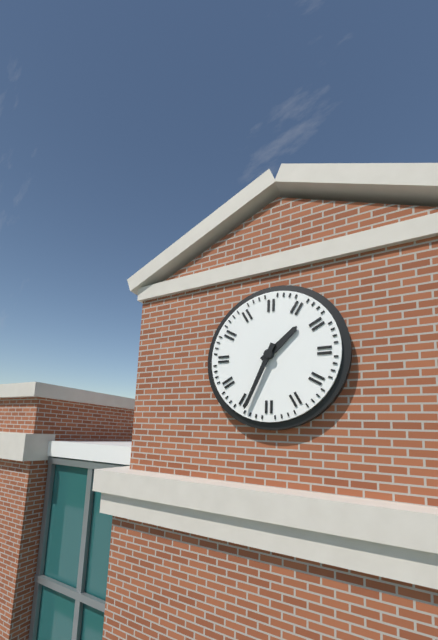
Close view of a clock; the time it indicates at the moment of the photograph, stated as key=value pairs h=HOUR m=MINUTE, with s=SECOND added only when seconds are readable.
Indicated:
h=1 m=34
